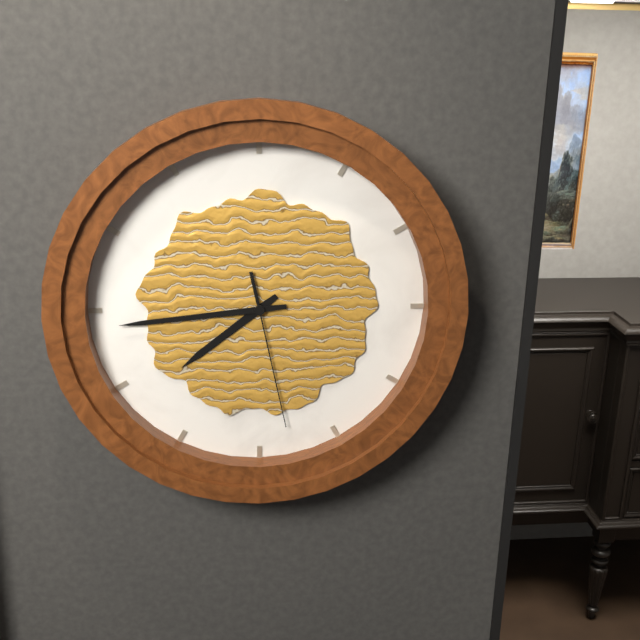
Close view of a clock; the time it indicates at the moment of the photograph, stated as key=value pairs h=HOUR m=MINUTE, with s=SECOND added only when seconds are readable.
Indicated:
h=7 m=44 s=28
